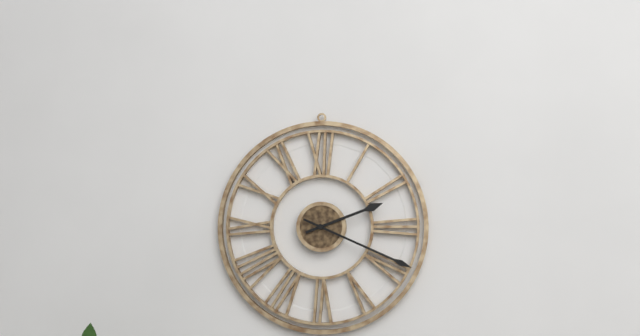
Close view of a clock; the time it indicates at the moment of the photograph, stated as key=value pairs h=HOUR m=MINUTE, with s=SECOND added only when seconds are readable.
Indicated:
h=2 m=19
